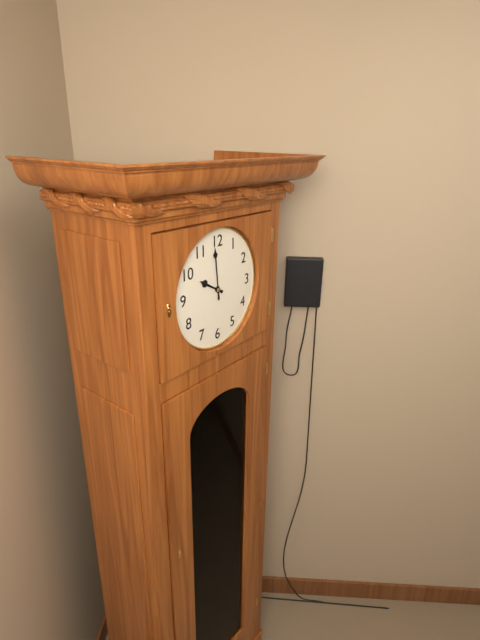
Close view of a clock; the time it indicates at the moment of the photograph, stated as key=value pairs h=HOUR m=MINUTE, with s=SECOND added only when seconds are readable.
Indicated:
h=9 m=59
